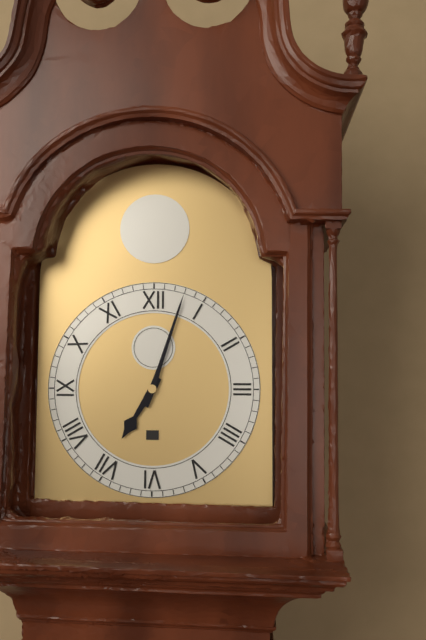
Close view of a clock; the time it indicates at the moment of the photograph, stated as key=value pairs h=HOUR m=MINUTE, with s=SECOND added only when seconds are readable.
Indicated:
h=7 m=3
